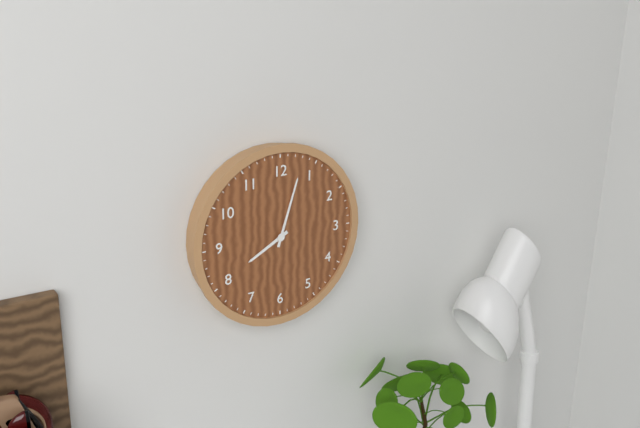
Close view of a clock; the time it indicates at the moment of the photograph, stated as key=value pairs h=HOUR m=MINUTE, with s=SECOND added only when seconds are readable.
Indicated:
h=8 m=3
